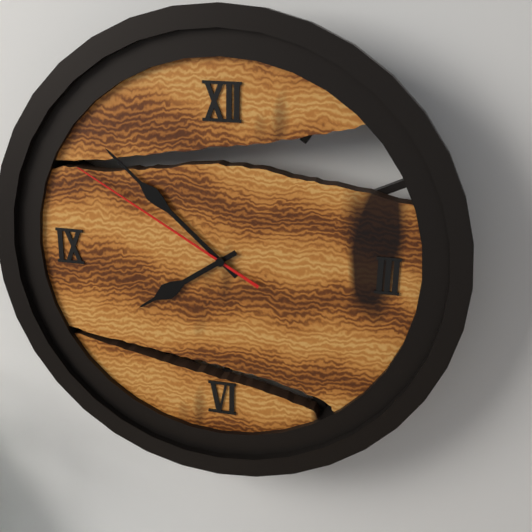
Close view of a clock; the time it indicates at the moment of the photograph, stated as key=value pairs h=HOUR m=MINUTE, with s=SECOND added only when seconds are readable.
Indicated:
h=7 m=52 s=50
